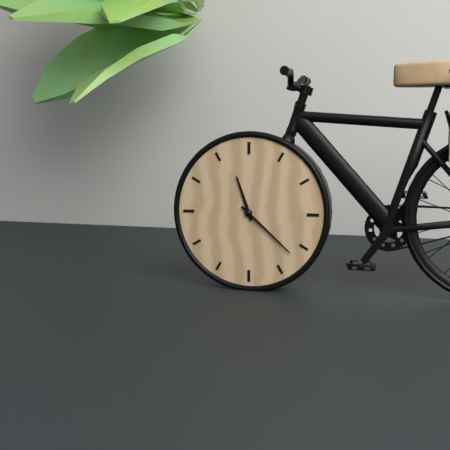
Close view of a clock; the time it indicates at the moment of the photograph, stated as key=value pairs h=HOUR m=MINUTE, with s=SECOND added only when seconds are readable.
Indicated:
h=11 m=22
